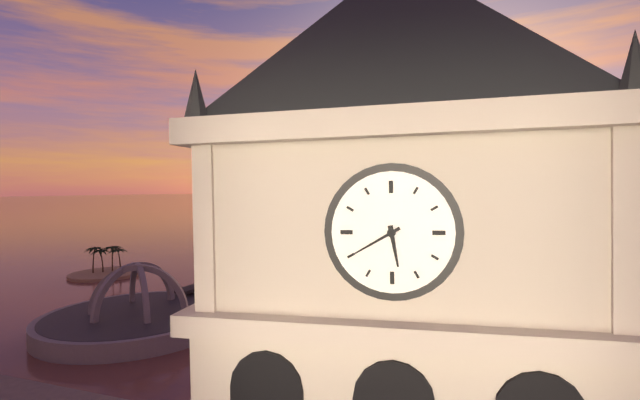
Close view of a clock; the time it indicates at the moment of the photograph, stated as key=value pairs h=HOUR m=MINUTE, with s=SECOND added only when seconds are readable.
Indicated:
h=5 m=40
